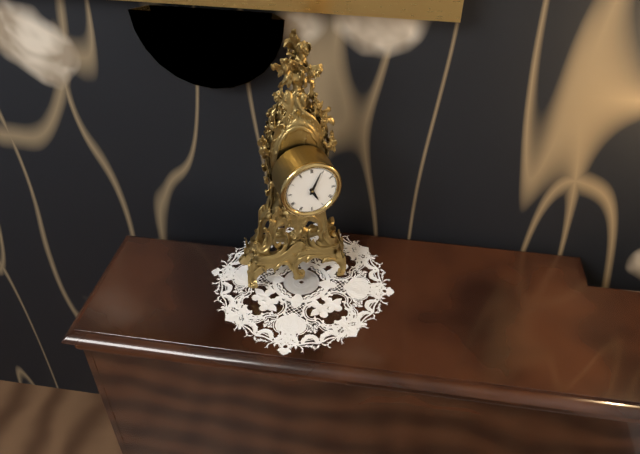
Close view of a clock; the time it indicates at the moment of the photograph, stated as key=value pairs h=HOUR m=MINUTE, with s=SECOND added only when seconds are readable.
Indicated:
h=5 m=4
